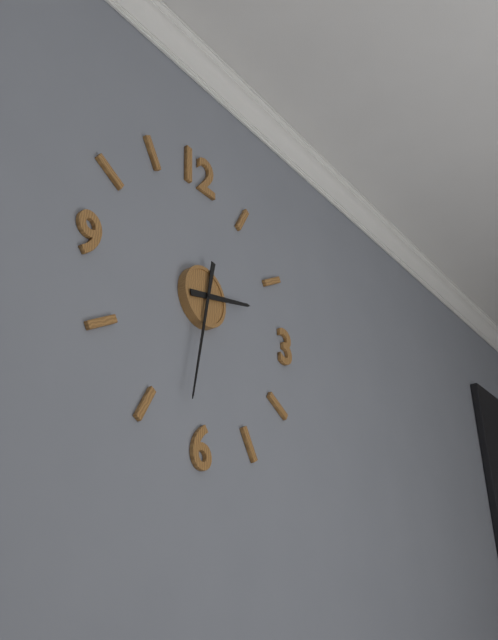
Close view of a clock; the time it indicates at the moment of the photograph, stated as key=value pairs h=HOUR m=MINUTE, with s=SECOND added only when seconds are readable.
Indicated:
h=2 m=32
